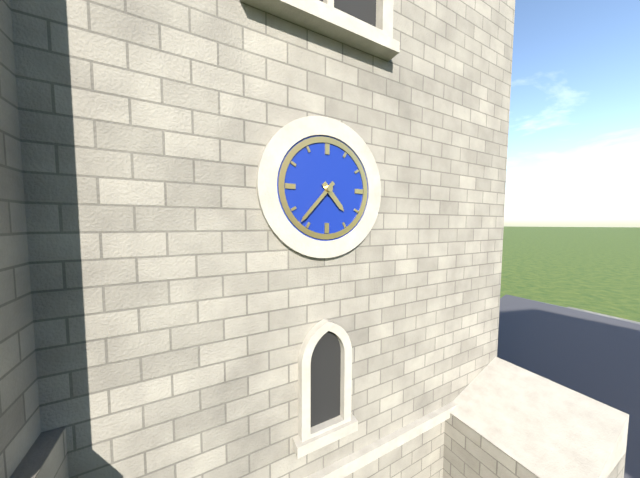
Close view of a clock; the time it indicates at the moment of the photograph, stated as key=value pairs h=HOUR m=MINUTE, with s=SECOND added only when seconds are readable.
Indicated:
h=4 m=37
